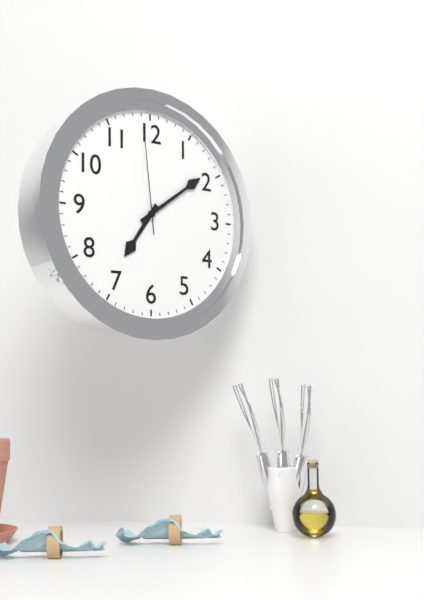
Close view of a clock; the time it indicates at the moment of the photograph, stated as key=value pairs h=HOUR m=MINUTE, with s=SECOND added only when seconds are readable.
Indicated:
h=7 m=9 s=59
